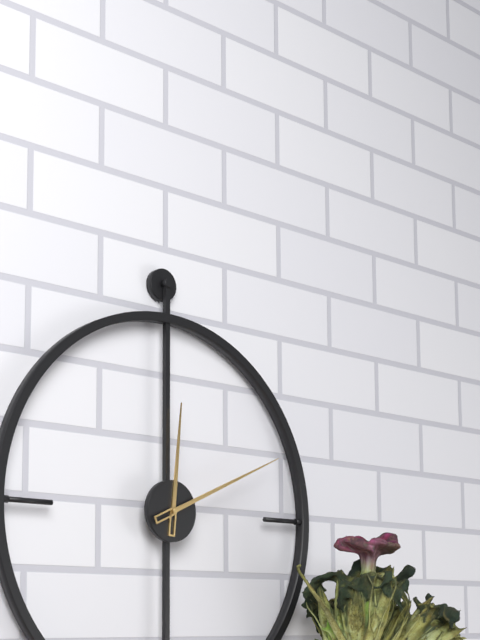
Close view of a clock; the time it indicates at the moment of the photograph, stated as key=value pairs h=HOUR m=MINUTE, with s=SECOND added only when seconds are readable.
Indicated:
h=12 m=11
